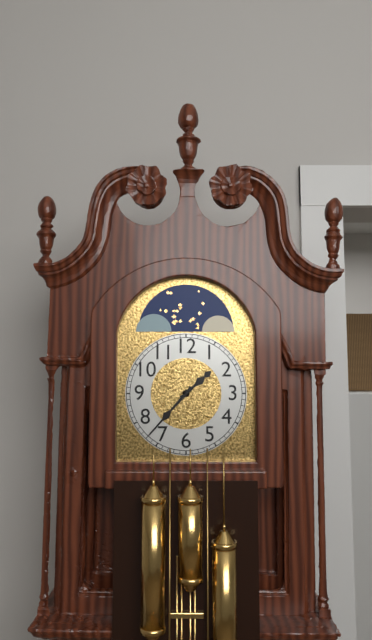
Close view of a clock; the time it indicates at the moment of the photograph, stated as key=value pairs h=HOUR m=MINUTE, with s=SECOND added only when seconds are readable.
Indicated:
h=1 m=37
